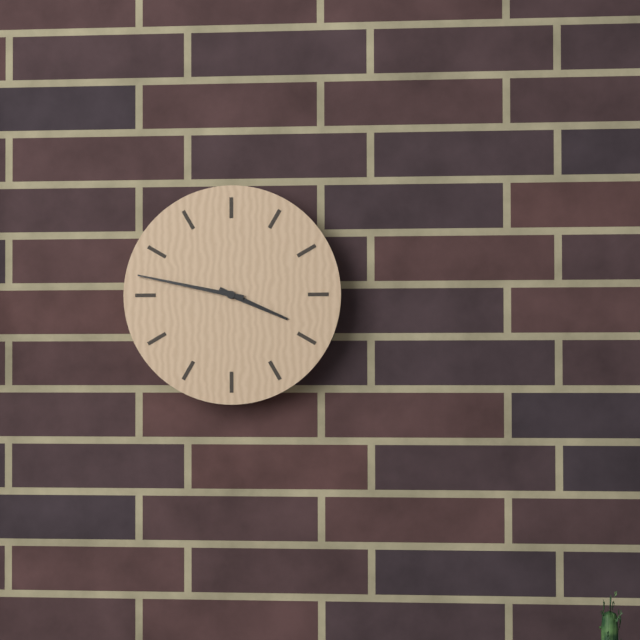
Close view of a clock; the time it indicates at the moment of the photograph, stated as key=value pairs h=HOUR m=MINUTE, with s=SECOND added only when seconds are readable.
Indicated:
h=3 m=47
